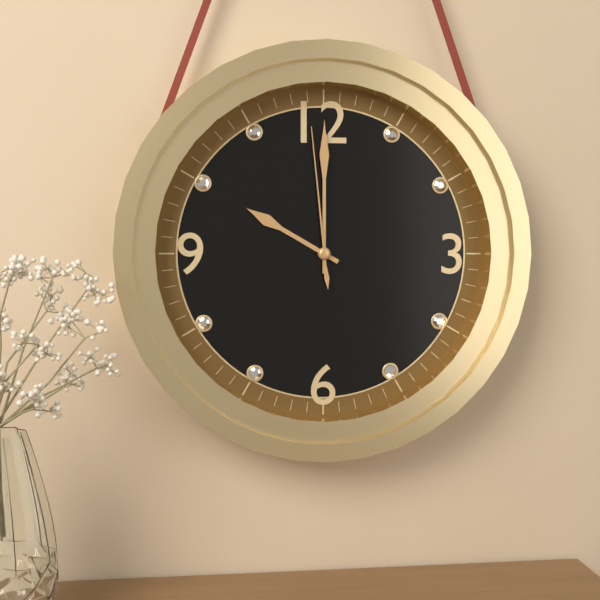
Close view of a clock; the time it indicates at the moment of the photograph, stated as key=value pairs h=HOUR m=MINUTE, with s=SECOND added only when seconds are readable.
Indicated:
h=10 m=0 s=59
